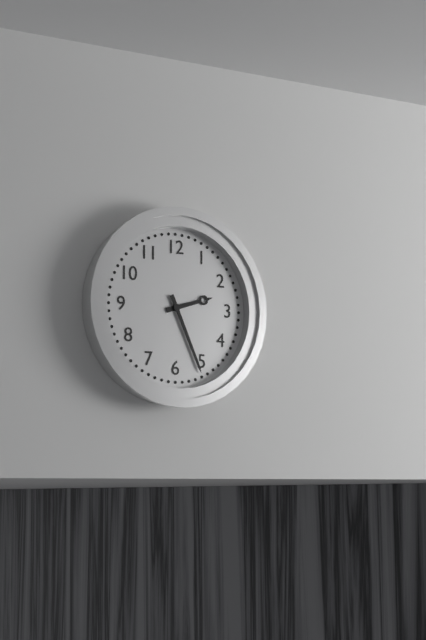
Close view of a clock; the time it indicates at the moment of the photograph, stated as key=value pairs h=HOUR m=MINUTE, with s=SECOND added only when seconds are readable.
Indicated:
h=2 m=26
